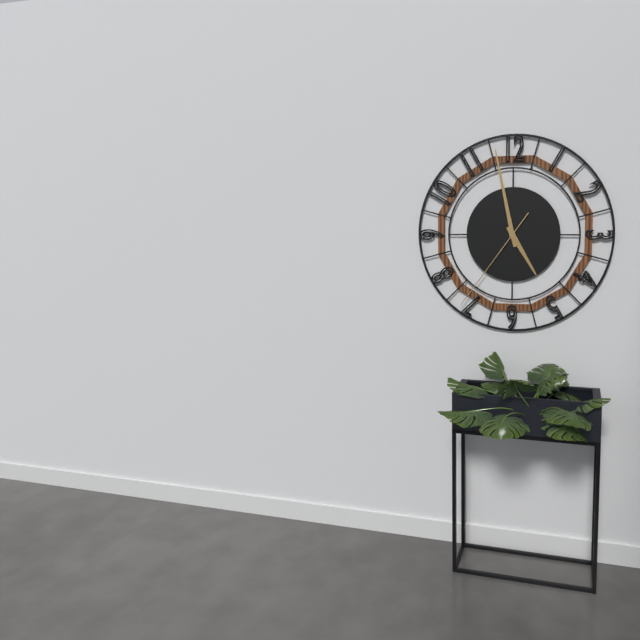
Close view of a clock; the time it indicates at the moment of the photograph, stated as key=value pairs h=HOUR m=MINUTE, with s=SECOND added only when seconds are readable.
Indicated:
h=4 m=58 s=36
